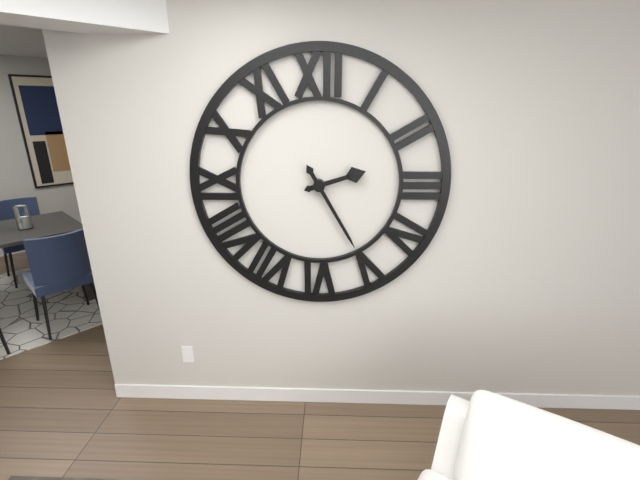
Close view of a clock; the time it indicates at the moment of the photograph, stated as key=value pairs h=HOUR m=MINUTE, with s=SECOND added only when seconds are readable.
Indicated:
h=2 m=25
